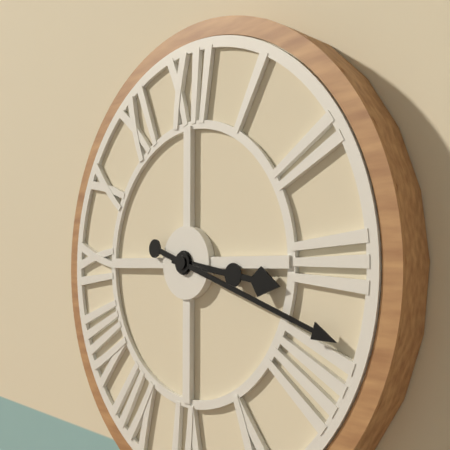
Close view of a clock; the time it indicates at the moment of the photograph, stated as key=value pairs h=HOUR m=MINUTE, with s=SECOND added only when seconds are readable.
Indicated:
h=3 m=18
